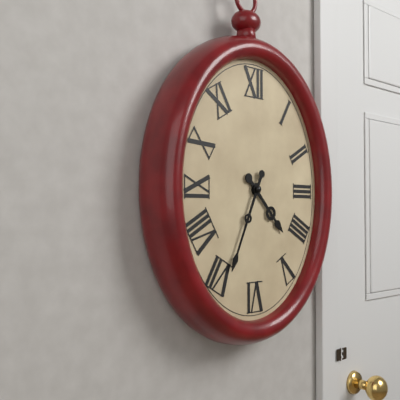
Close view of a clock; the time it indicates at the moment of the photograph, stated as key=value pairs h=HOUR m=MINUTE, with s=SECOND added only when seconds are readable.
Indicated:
h=4 m=34
